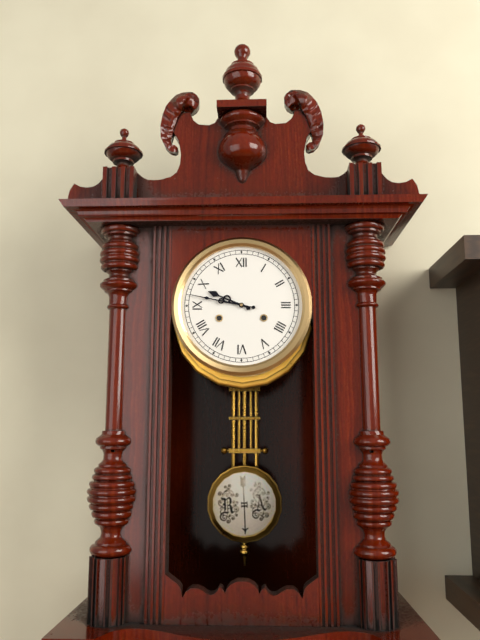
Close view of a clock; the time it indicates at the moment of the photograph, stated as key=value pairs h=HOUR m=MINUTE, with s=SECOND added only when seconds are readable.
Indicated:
h=9 m=47
